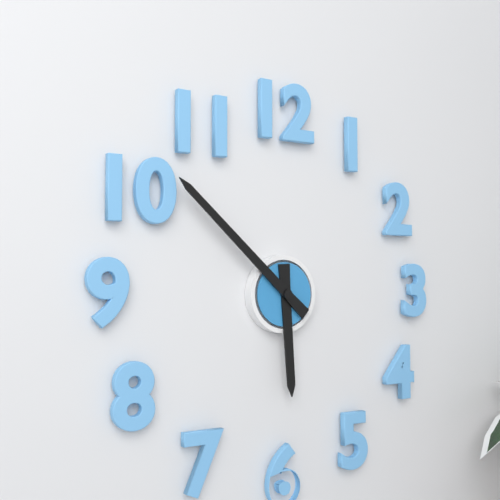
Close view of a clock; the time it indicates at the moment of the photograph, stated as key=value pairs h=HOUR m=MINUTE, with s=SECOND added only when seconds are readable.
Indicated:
h=5 m=52
